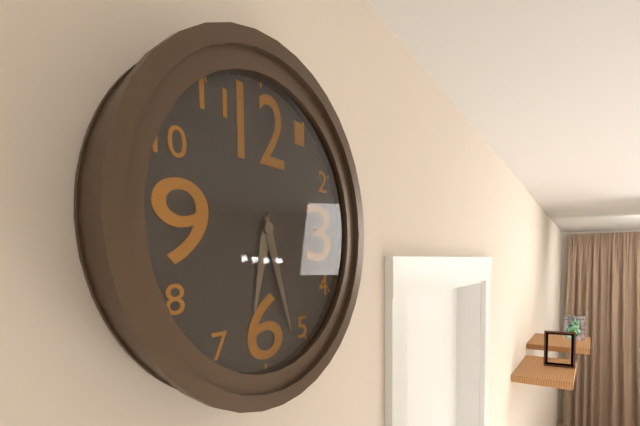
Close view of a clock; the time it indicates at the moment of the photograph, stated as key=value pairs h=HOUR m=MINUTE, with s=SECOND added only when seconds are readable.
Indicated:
h=6 m=27
